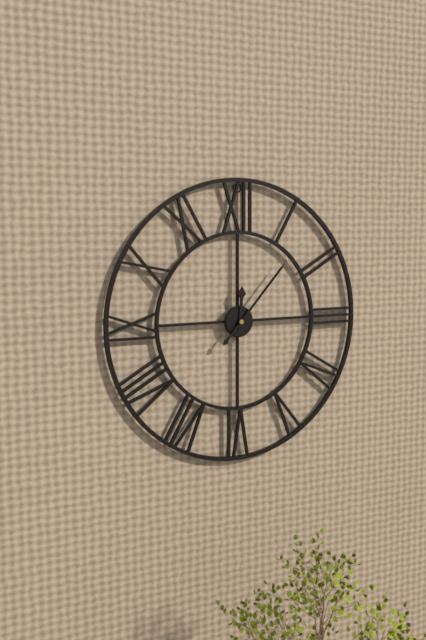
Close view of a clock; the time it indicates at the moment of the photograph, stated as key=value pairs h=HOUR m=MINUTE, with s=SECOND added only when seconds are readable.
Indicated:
h=12 m=7
